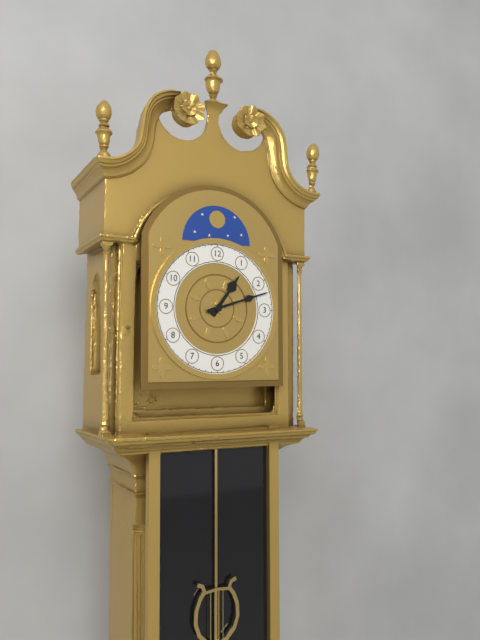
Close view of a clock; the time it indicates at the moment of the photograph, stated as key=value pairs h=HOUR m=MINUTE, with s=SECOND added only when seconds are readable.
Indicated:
h=1 m=12
